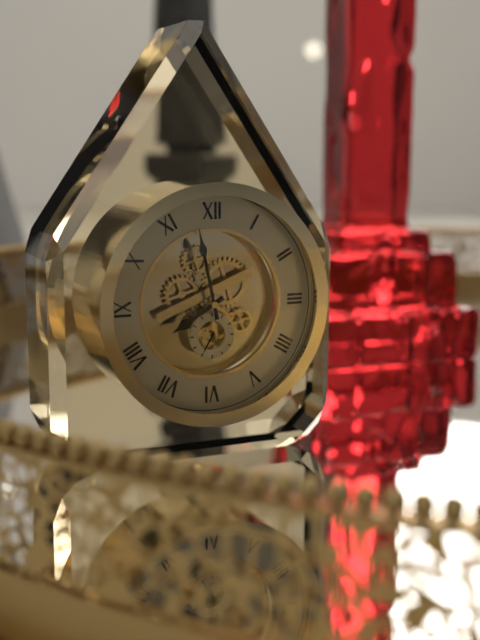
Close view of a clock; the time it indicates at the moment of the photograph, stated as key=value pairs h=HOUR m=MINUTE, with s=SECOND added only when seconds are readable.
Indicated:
h=7 m=58
